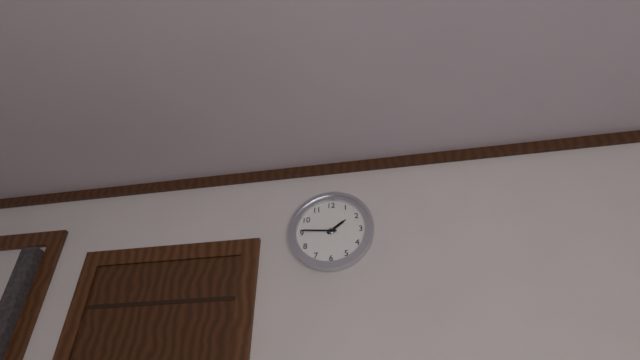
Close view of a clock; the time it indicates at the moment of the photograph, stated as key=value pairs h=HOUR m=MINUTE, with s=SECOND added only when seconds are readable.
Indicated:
h=1 m=46
